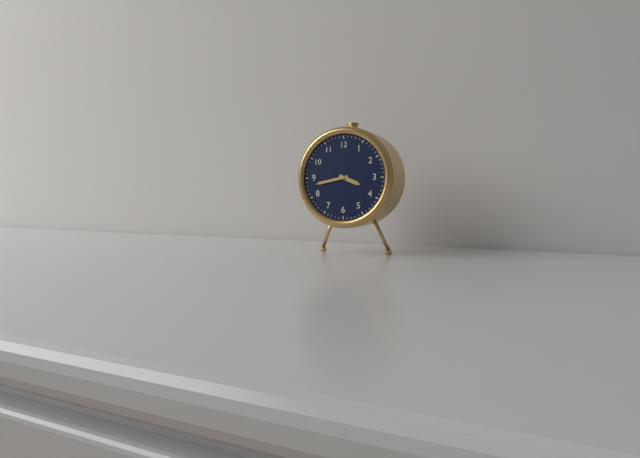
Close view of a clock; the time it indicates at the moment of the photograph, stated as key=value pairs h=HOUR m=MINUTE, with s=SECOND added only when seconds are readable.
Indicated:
h=3 m=43
